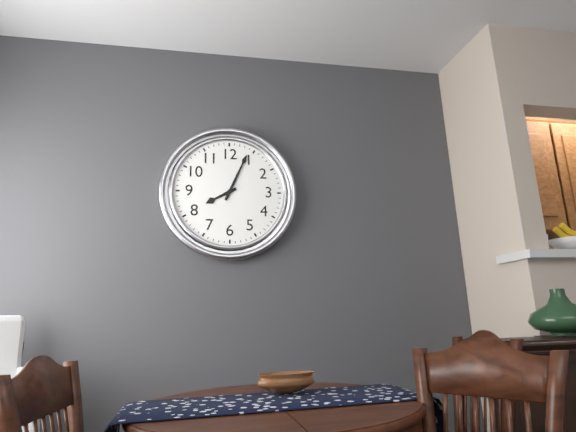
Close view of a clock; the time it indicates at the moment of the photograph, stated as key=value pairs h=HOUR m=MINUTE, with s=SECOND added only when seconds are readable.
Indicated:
h=8 m=4
